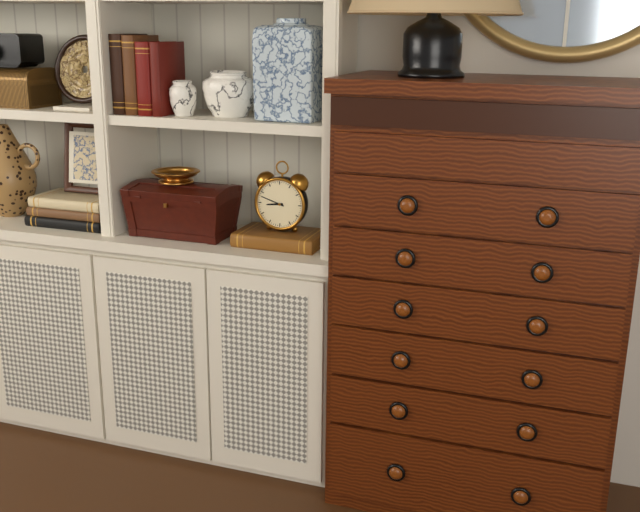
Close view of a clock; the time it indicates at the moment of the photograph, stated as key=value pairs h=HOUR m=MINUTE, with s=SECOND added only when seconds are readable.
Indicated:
h=8 m=48
